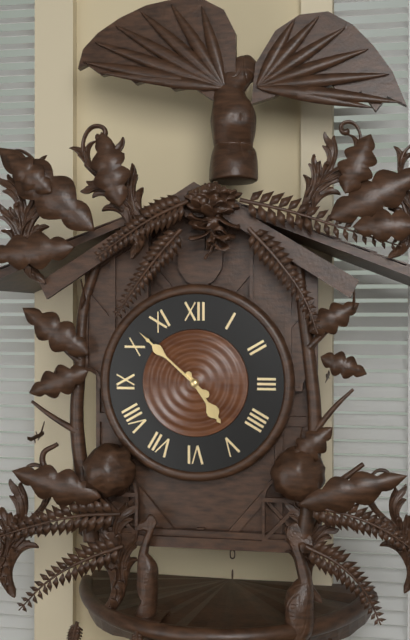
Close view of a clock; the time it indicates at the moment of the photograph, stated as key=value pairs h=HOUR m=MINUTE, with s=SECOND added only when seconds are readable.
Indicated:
h=4 m=52
